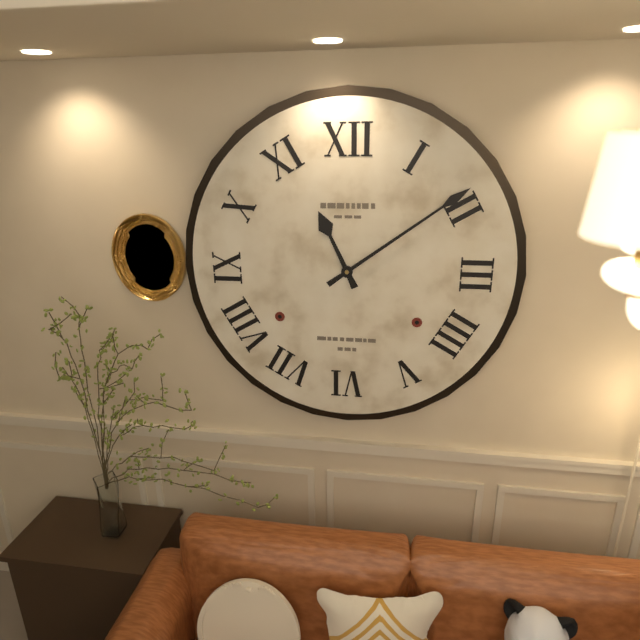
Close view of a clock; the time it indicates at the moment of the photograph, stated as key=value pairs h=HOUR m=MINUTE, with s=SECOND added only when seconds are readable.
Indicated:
h=11 m=9
